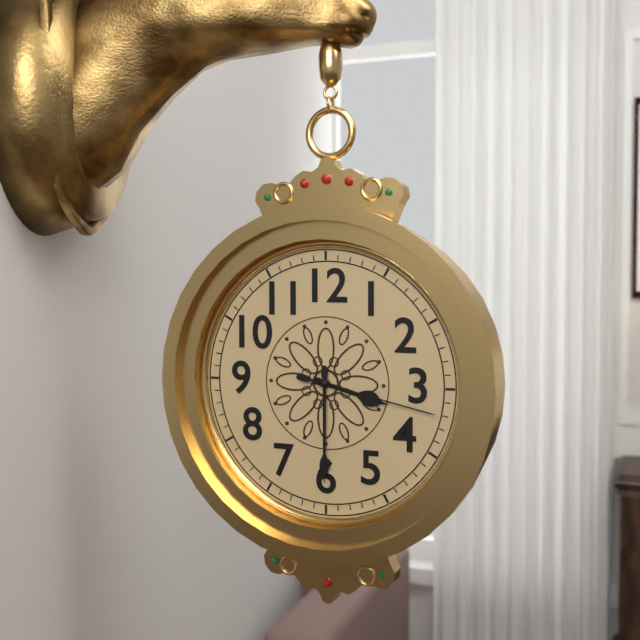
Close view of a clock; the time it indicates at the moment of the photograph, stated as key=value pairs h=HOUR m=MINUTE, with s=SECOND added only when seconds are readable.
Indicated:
h=3 m=30 s=17
